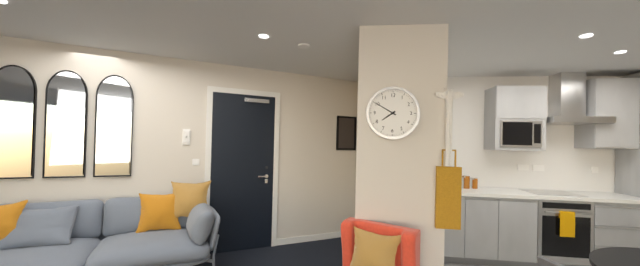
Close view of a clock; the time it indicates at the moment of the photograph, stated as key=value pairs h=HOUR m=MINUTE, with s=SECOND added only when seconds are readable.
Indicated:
h=7 m=50
